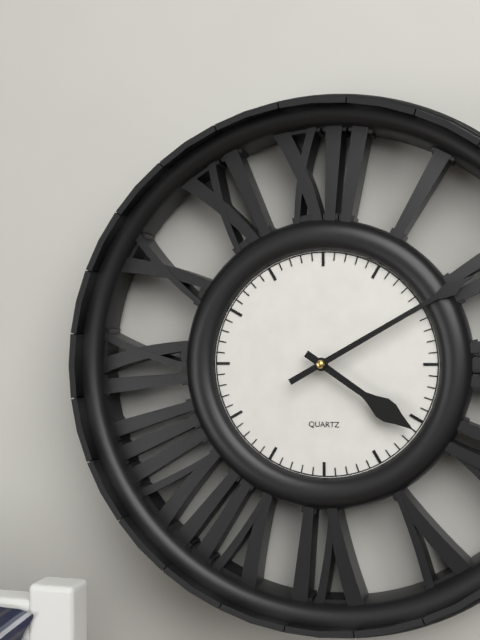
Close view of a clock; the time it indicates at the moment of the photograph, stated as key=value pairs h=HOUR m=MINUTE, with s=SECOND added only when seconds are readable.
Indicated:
h=4 m=10
